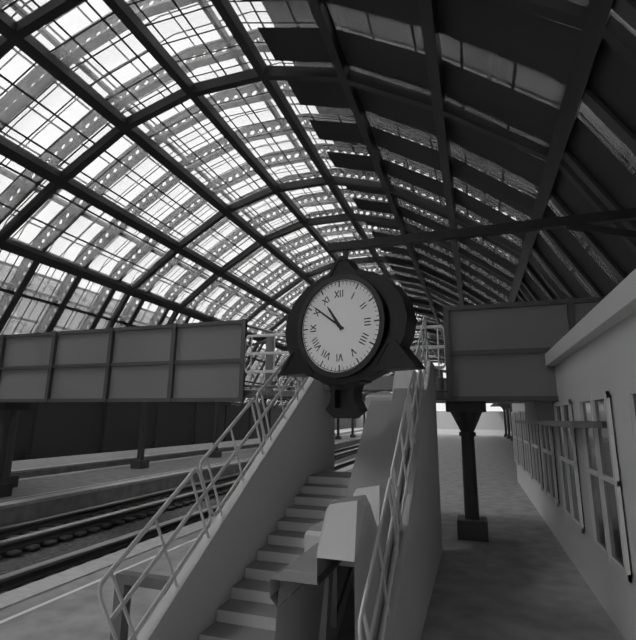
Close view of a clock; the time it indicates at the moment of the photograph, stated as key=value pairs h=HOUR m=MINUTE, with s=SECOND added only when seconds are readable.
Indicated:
h=10 m=51
